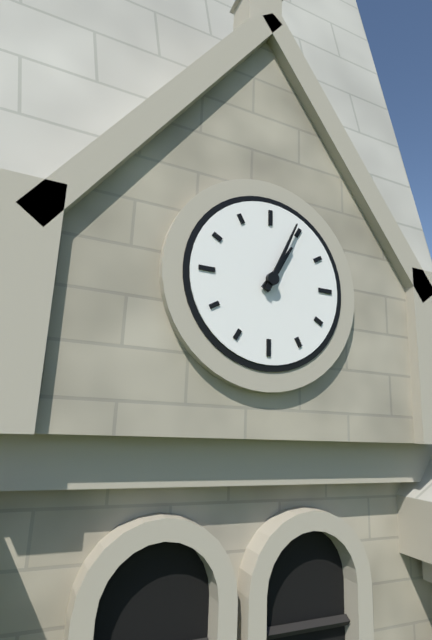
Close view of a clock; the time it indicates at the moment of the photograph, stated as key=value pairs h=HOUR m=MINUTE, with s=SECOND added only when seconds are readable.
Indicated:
h=1 m=4
